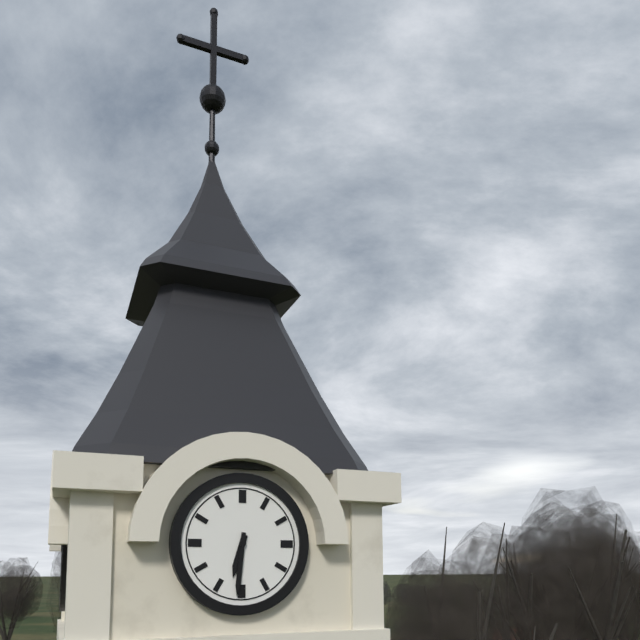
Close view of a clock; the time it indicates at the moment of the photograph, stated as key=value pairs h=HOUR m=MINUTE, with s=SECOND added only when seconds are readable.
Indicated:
h=6 m=31
